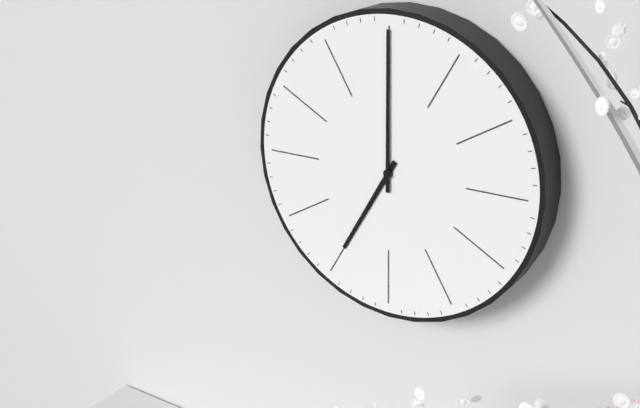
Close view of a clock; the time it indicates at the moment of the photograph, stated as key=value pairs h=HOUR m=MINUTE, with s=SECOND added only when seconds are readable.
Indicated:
h=7 m=0
